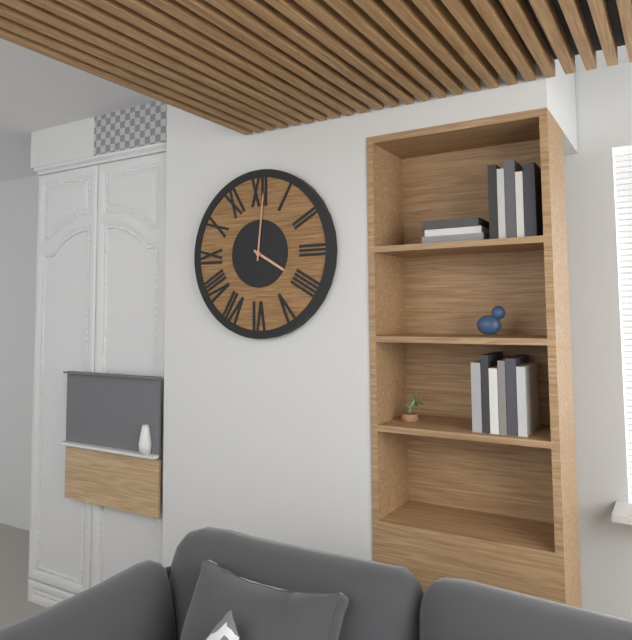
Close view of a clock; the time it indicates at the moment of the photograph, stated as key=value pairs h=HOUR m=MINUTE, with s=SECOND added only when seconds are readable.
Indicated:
h=4 m=1
